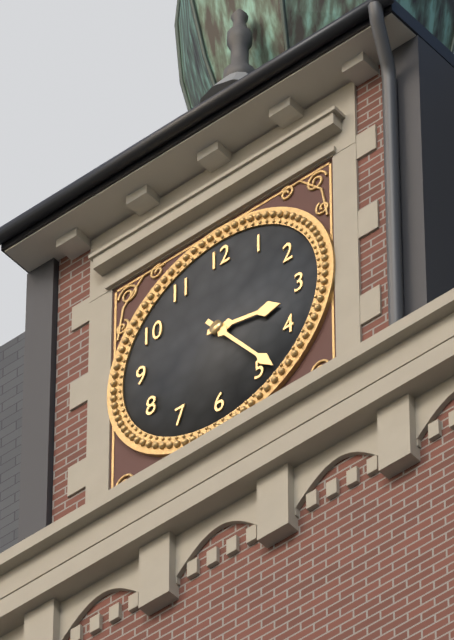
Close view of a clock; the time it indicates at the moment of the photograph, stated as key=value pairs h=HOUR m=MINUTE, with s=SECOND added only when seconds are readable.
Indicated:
h=3 m=24
